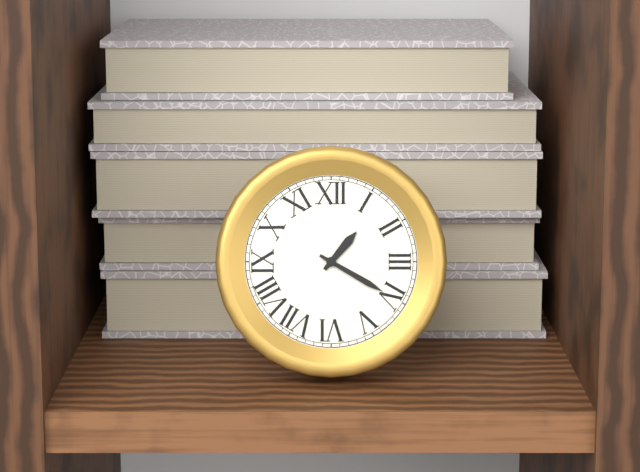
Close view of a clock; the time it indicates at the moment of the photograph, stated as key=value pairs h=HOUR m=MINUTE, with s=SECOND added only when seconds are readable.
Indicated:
h=1 m=20
